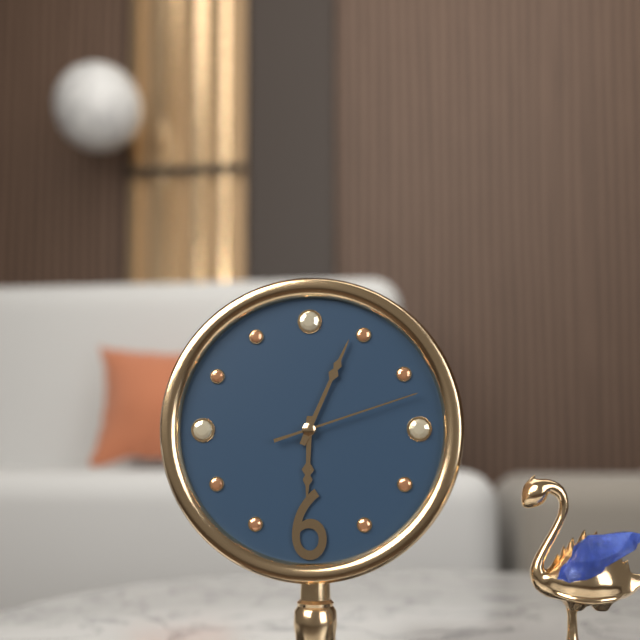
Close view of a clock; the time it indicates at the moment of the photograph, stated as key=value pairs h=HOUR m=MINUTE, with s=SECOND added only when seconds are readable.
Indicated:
h=6 m=4 s=12
